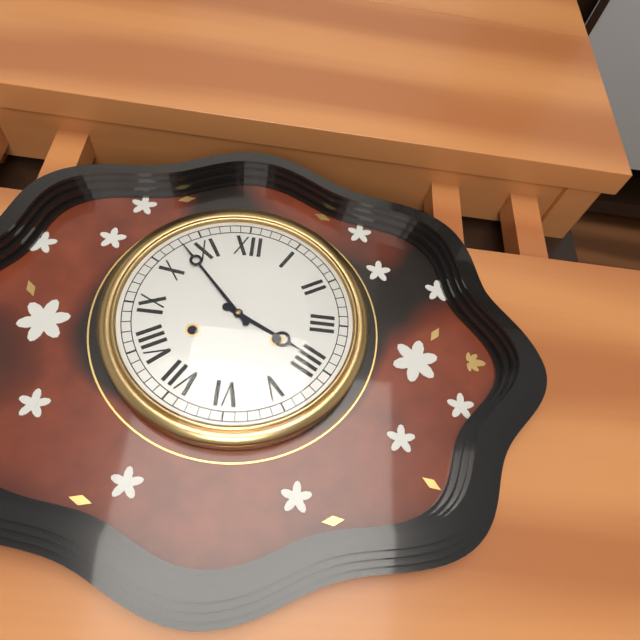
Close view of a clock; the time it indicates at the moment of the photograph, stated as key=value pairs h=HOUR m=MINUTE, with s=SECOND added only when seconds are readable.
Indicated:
h=3 m=53
